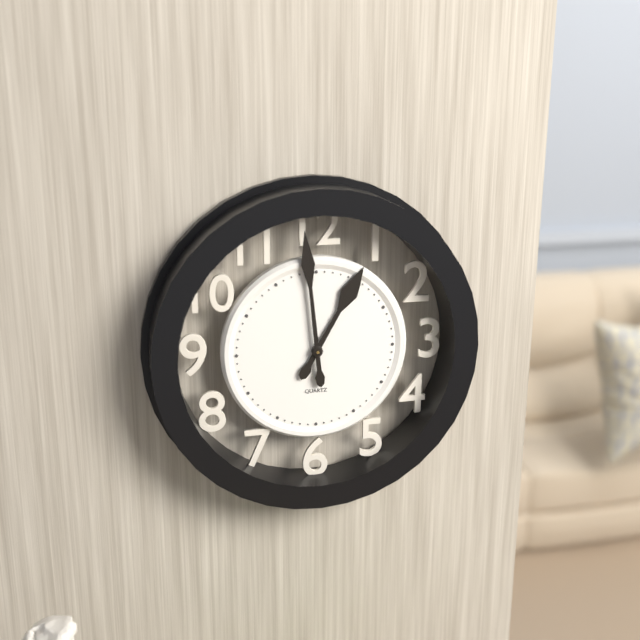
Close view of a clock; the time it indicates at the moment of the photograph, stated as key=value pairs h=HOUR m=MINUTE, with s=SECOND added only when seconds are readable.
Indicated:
h=12 m=59
